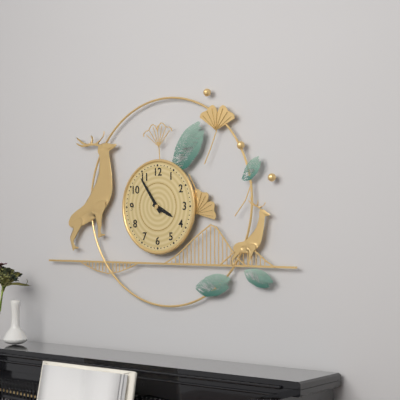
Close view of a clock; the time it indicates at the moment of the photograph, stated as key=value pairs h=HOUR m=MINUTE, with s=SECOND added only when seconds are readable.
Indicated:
h=3 m=54
